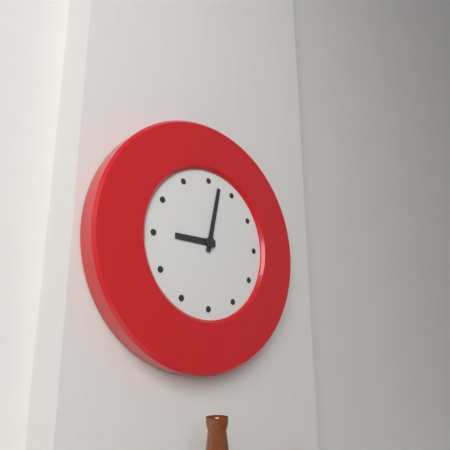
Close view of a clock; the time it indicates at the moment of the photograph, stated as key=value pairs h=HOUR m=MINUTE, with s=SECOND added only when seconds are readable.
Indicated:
h=9 m=2
